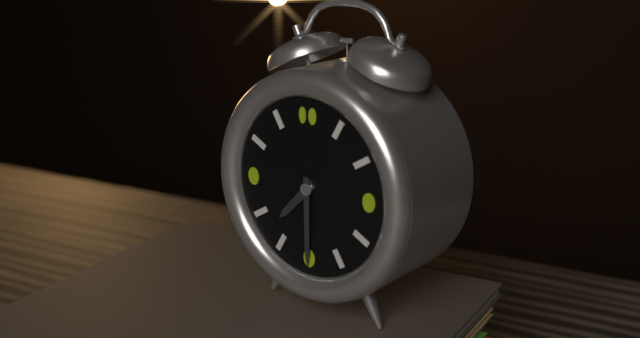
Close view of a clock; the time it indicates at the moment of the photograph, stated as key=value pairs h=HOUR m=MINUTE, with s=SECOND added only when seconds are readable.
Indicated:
h=7 m=30
